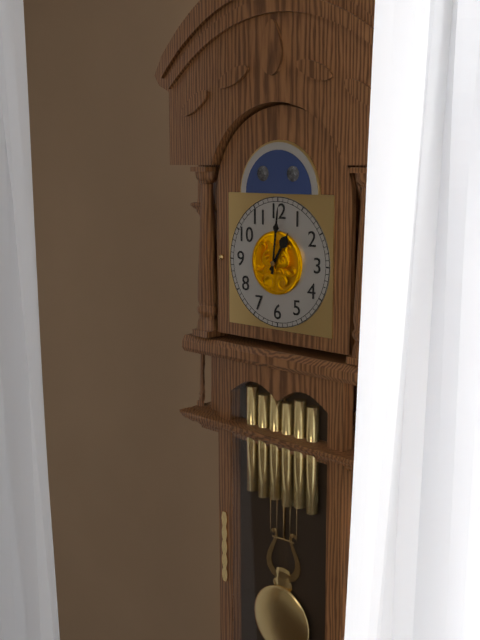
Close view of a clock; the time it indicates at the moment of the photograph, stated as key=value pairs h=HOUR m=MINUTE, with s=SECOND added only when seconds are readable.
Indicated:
h=1 m=1
